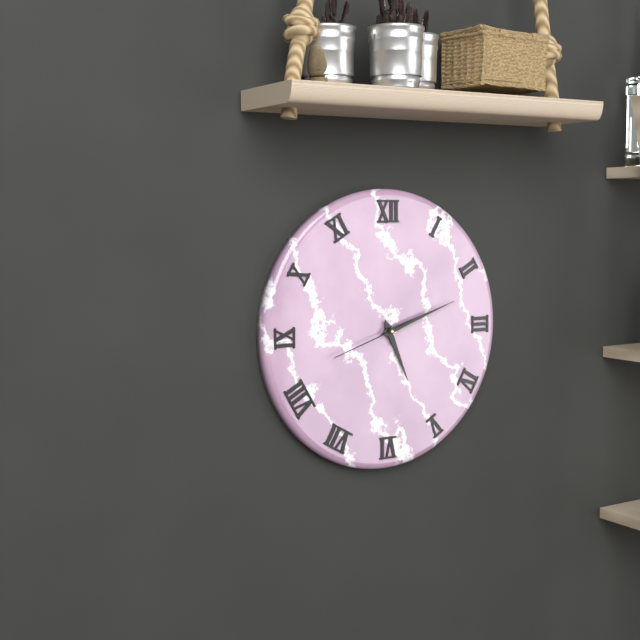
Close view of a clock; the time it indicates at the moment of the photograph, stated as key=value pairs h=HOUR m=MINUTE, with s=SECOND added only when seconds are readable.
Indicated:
h=5 m=12 s=42
